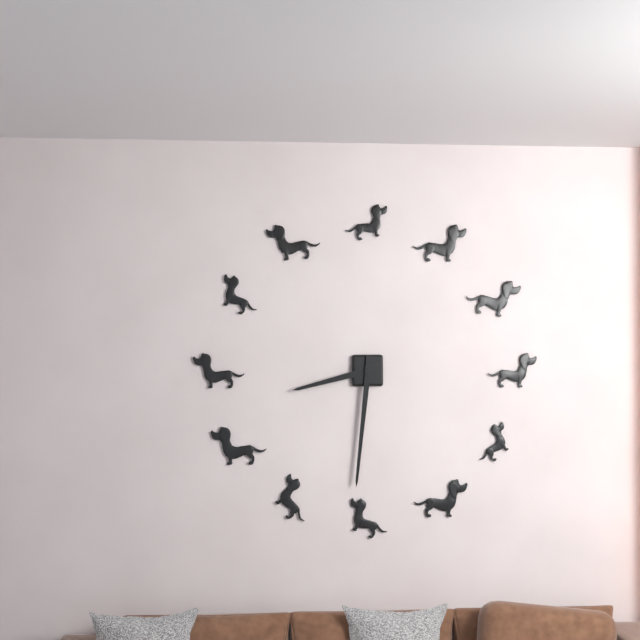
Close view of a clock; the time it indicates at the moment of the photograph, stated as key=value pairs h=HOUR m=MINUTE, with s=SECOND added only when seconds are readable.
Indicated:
h=8 m=31
